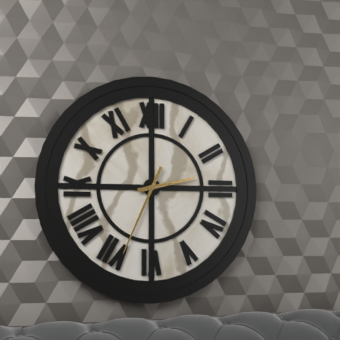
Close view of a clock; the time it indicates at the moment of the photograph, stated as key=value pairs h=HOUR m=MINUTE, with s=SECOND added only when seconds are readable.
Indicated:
h=2 m=34
